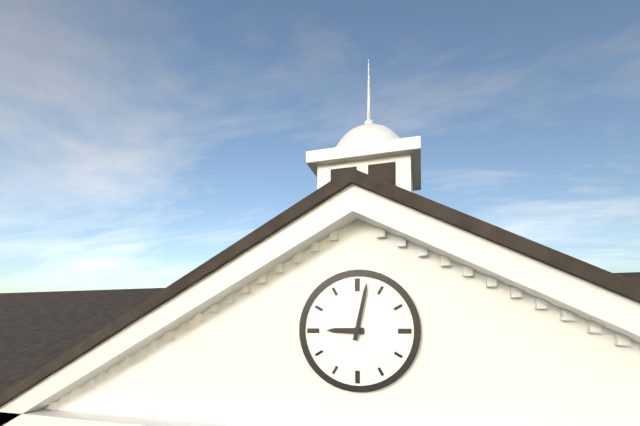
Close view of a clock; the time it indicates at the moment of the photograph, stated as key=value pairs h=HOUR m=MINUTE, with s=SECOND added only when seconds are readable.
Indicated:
h=9 m=2
